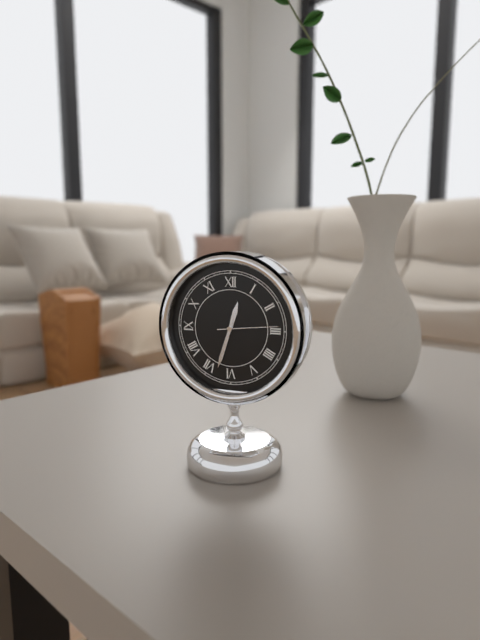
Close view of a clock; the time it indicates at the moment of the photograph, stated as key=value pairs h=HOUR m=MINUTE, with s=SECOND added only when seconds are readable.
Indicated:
h=12 m=33 s=14
